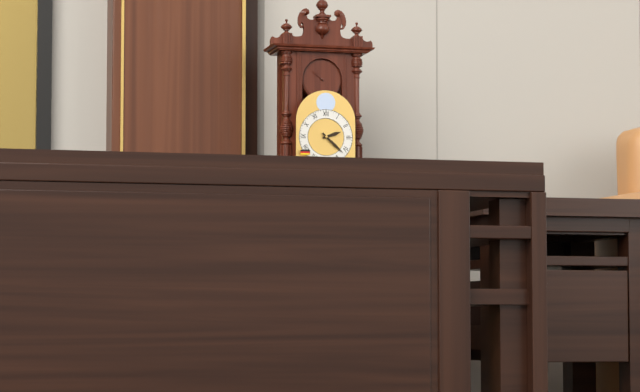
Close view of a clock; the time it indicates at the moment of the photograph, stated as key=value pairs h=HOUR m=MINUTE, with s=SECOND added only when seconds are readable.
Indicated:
h=2 m=22
